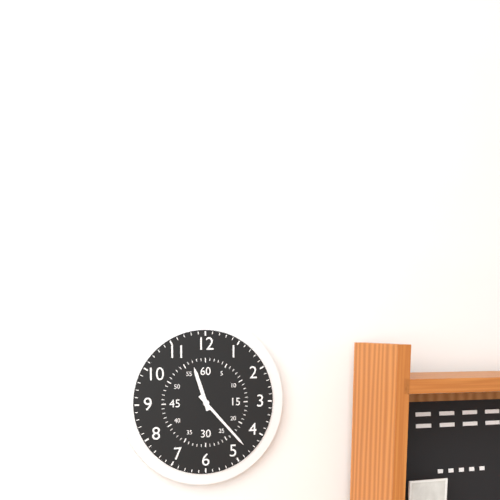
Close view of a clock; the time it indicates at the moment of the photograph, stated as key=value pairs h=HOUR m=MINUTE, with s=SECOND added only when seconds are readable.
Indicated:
h=11 m=23
